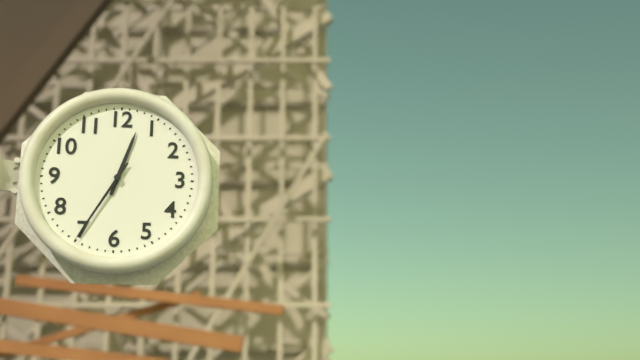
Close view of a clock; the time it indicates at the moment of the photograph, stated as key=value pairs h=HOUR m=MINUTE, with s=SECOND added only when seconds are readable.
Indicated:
h=12 m=35
